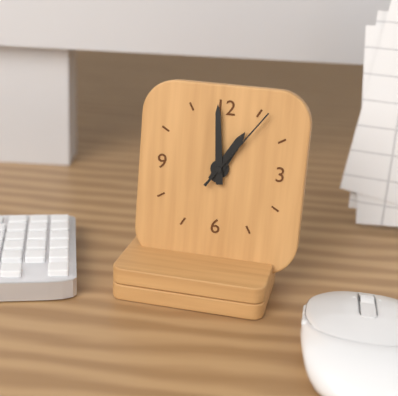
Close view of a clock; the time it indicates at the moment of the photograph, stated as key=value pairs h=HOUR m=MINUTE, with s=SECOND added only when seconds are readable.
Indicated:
h=12 m=59 s=6
